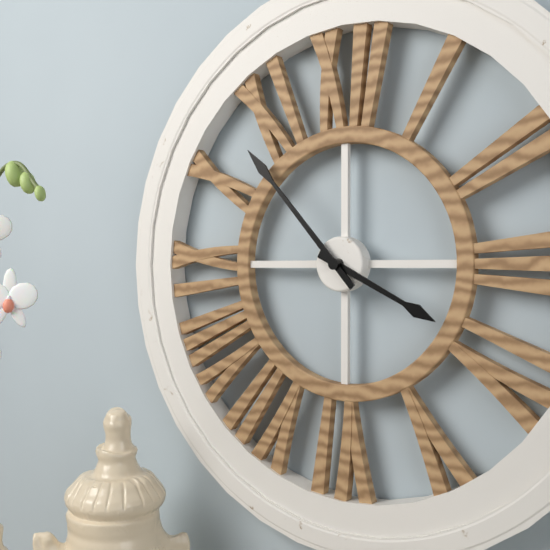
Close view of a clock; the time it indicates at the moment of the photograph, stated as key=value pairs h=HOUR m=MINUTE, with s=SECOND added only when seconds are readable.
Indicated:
h=3 m=53
